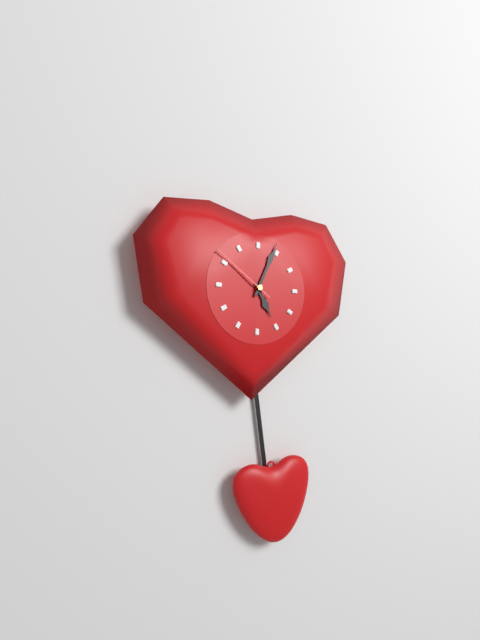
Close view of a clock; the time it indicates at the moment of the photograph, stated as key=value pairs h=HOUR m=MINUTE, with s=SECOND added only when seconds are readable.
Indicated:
h=5 m=4 s=51
